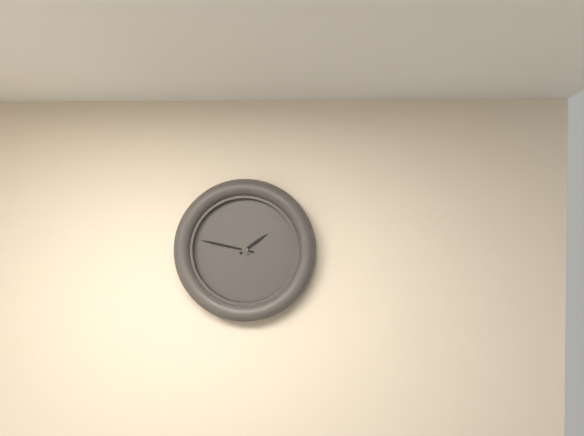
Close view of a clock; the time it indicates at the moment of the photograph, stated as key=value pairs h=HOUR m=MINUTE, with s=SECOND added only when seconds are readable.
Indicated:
h=1 m=47
